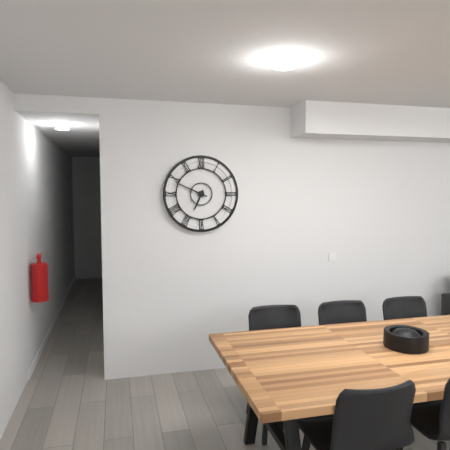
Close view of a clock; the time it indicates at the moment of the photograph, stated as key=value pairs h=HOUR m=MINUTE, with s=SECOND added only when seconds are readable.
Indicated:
h=6 m=49
